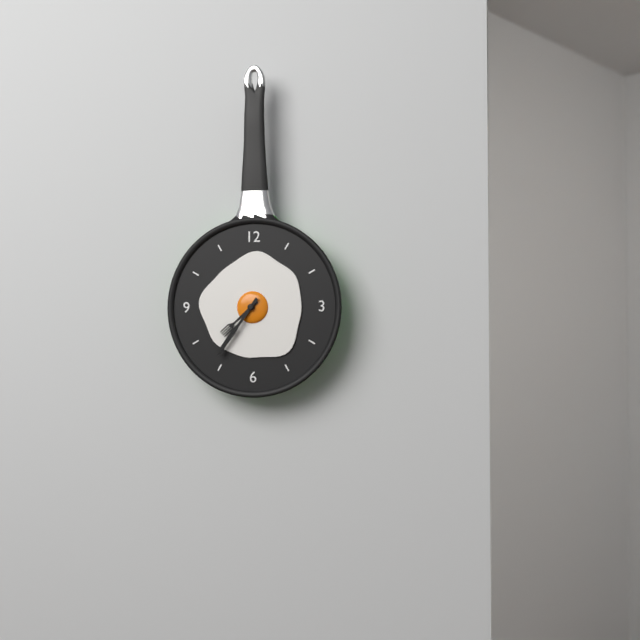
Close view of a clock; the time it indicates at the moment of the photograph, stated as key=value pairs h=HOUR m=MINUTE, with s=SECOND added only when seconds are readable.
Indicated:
h=7 m=36
